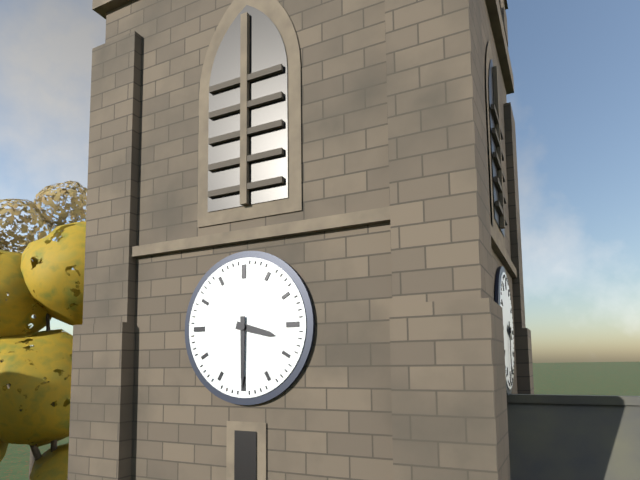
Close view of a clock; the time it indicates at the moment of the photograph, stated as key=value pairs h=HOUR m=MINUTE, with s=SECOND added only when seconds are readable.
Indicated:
h=3 m=30
